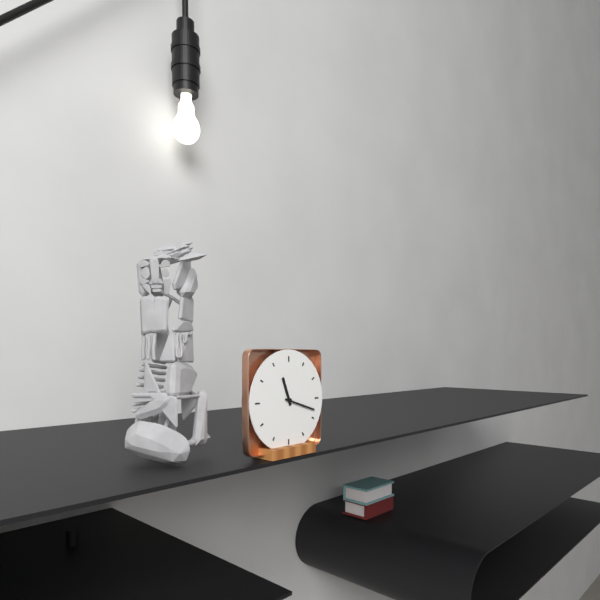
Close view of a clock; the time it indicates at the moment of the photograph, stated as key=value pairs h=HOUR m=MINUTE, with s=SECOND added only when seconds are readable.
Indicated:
h=11 m=18
